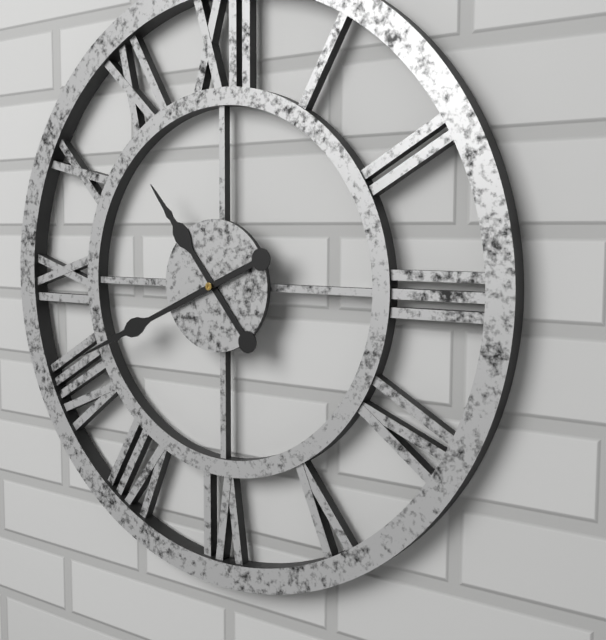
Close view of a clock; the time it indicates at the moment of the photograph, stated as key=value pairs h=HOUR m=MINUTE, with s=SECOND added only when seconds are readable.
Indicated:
h=10 m=41
